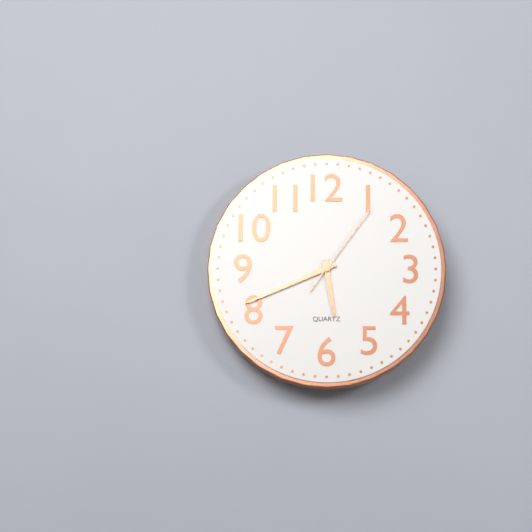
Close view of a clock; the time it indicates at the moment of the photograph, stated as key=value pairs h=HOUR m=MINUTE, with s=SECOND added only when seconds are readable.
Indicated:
h=5 m=41 s=6
